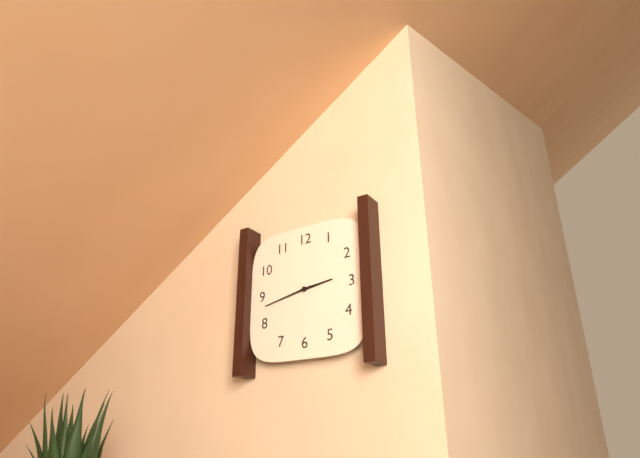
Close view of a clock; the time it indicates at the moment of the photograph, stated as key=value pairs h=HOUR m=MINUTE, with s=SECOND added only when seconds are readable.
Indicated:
h=2 m=43
